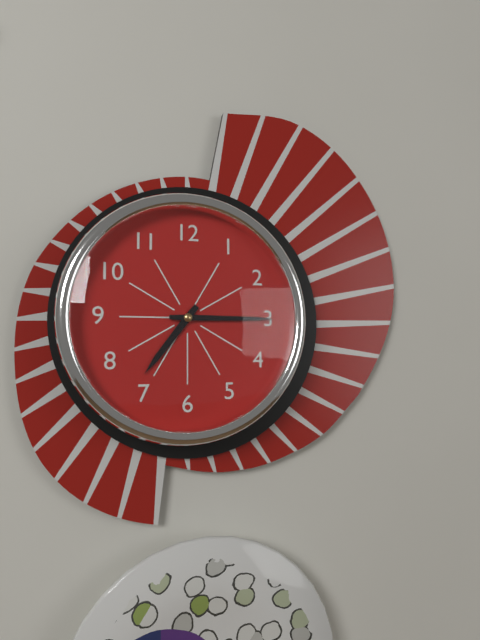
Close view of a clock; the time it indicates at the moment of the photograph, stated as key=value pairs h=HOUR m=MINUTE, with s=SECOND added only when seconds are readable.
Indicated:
h=7 m=15
